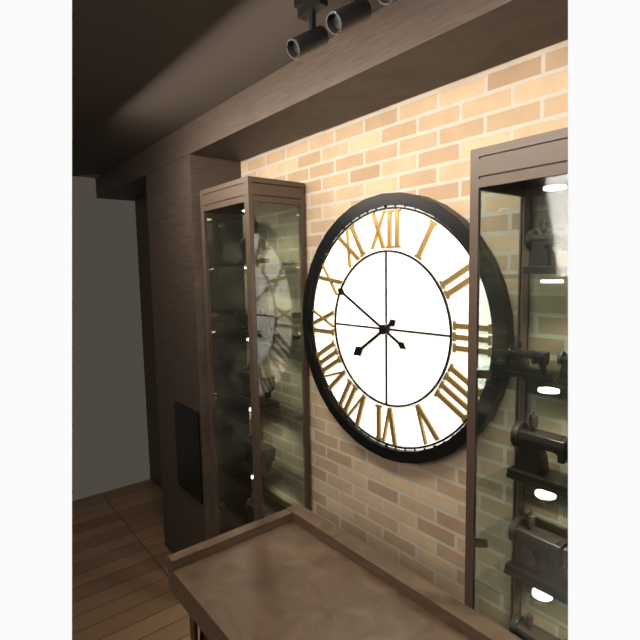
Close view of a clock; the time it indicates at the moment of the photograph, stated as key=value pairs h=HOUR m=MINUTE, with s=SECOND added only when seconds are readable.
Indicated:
h=7 m=50
